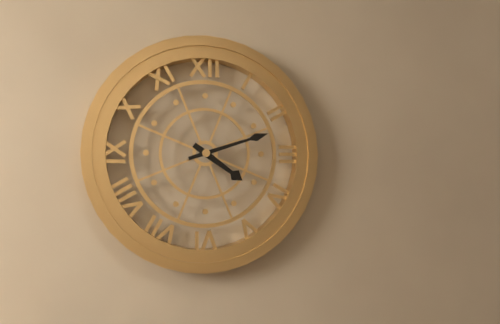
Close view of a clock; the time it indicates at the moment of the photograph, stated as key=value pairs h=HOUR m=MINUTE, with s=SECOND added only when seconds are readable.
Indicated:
h=4 m=12
